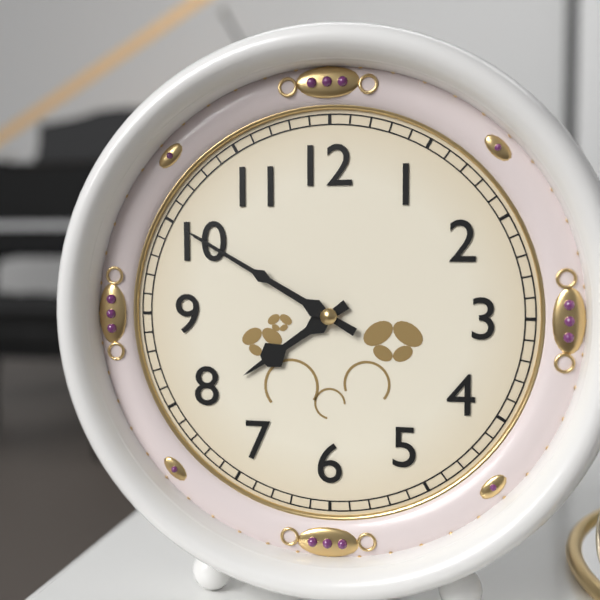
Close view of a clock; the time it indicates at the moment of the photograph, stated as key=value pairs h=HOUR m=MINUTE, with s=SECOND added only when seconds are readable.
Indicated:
h=7 m=50
